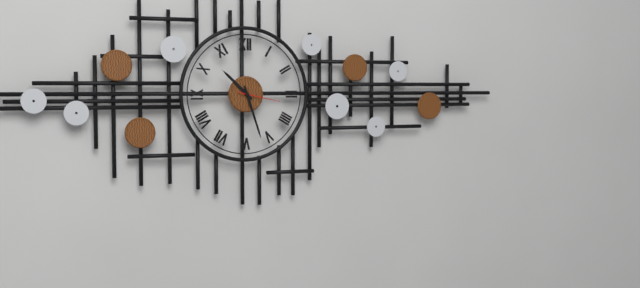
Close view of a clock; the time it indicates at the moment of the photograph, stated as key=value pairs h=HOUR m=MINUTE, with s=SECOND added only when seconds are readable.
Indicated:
h=10 m=27
